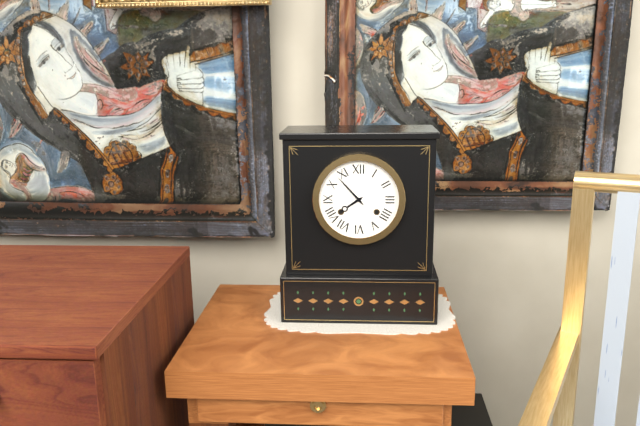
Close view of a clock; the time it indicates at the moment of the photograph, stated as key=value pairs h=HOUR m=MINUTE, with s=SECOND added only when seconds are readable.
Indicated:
h=7 m=53
